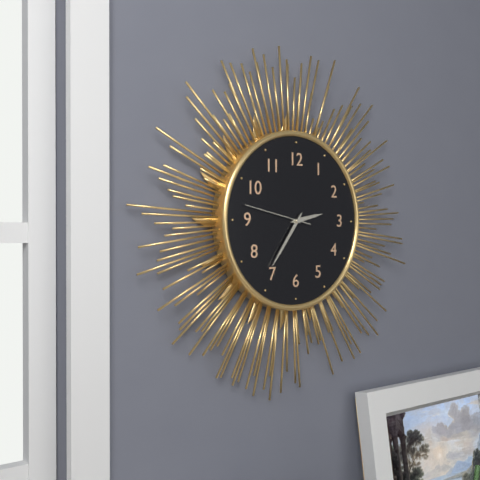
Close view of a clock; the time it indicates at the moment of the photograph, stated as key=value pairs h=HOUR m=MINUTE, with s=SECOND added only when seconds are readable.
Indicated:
h=2 m=36
